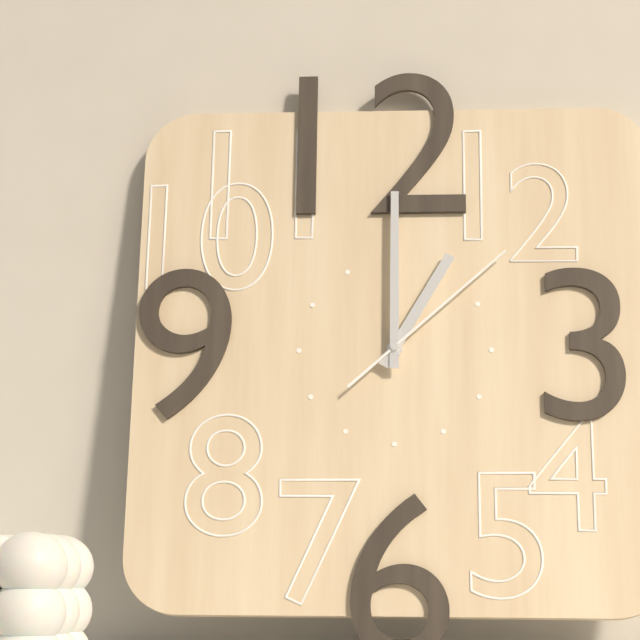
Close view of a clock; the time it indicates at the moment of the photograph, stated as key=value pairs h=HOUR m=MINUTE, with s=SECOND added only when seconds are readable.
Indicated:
h=1 m=0 s=8
